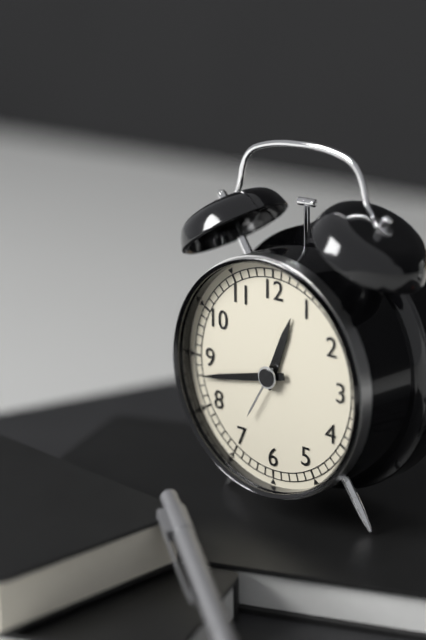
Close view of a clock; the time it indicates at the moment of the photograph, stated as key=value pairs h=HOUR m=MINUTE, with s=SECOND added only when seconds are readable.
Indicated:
h=12 m=43
